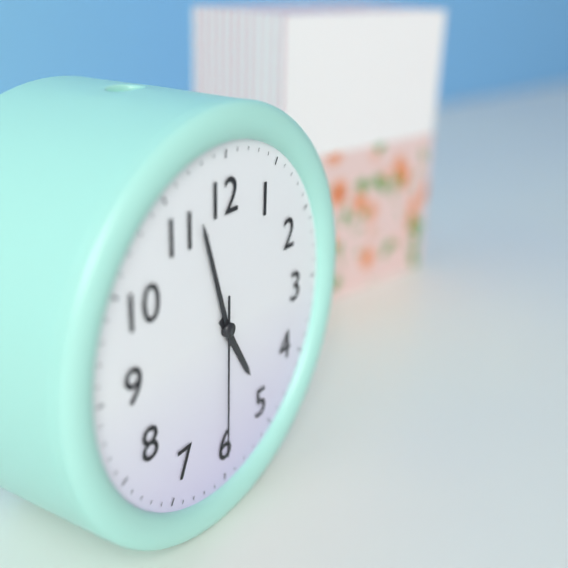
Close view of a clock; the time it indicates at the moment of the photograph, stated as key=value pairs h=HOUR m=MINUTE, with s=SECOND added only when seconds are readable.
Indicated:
h=4 m=57 s=30
